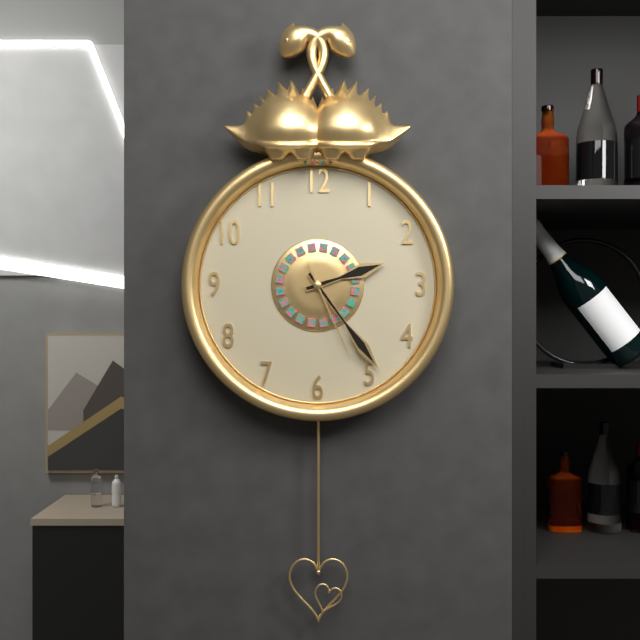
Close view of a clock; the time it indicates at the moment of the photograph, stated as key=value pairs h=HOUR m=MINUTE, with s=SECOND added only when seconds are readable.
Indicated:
h=2 m=24 s=26
